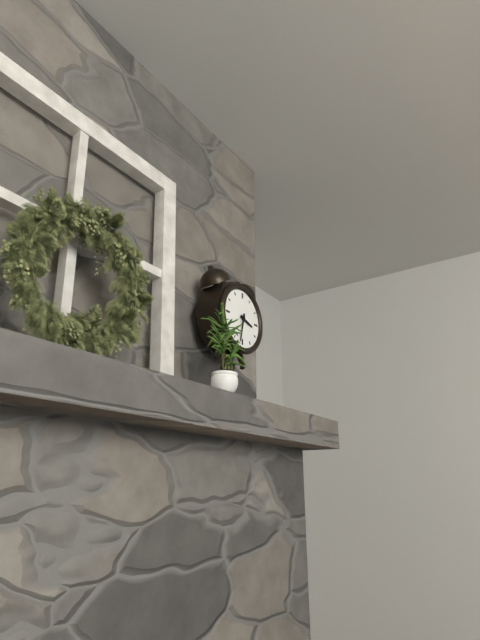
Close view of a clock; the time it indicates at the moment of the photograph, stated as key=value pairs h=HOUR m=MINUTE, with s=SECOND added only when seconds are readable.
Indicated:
h=3 m=32
